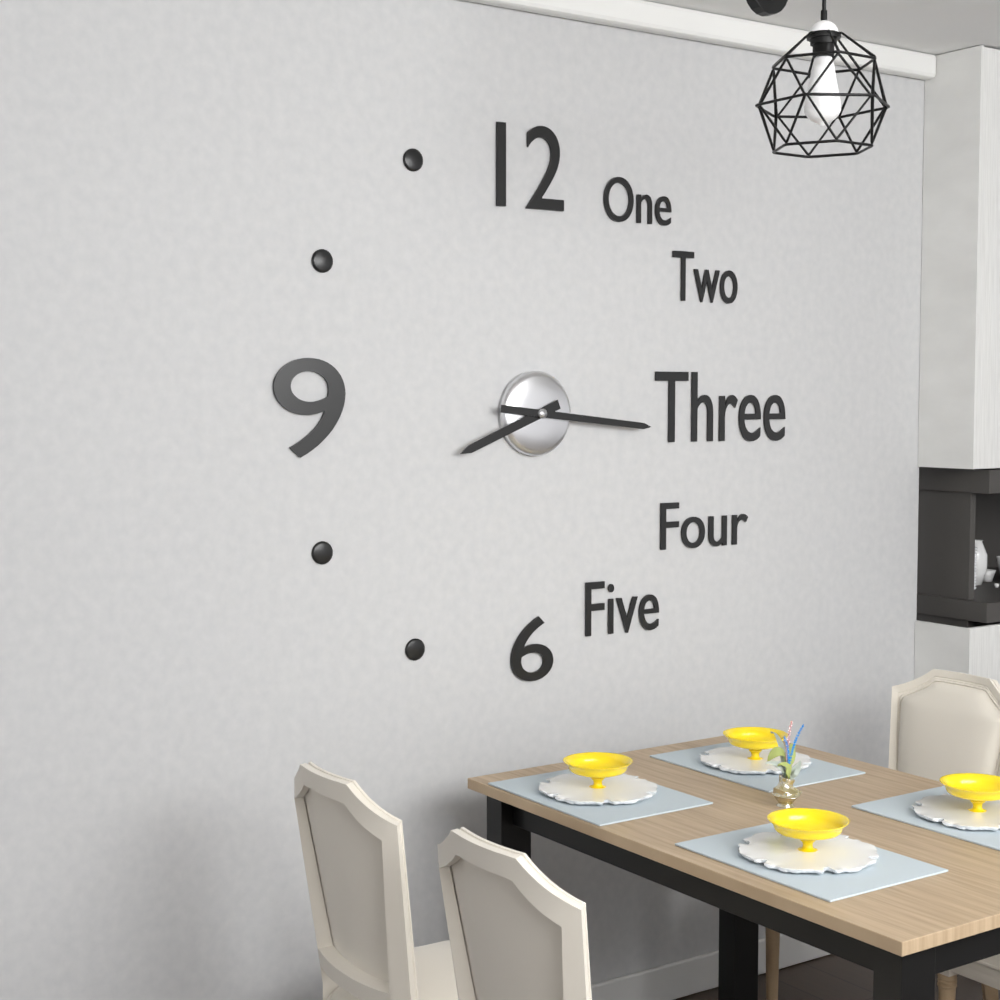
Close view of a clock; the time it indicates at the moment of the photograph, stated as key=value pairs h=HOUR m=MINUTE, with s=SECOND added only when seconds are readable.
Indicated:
h=8 m=16
